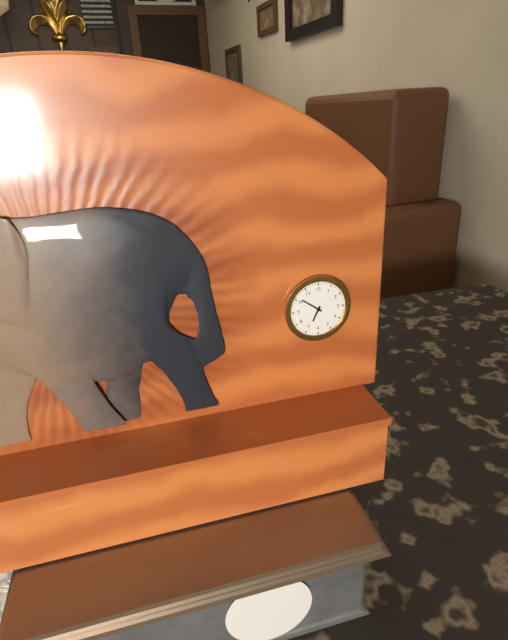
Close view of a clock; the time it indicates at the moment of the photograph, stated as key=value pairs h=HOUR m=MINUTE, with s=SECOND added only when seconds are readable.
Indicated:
h=6 m=51
